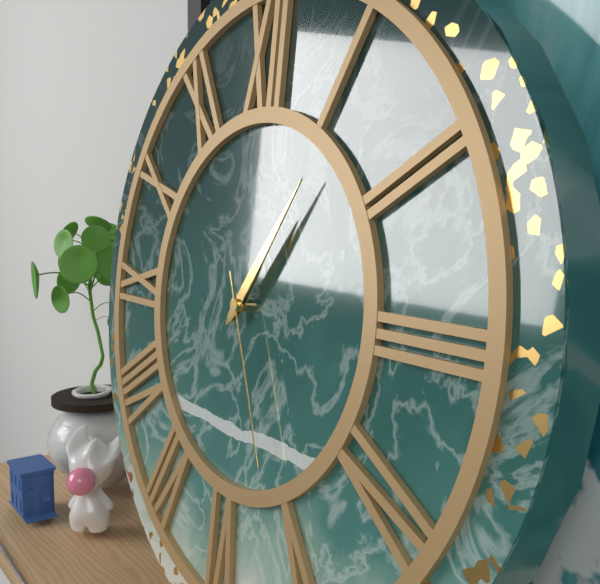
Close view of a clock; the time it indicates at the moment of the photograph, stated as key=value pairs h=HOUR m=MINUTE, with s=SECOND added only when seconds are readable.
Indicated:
h=1 m=6 s=26
